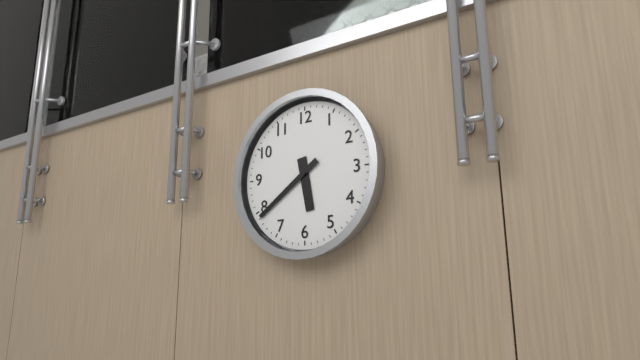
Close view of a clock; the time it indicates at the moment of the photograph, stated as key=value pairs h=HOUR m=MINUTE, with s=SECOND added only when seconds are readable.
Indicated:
h=5 m=39
